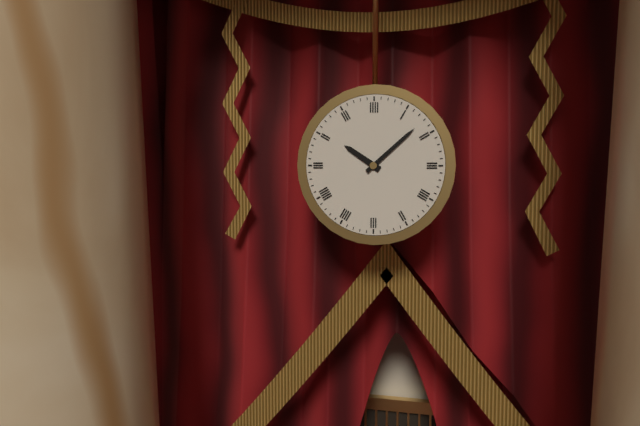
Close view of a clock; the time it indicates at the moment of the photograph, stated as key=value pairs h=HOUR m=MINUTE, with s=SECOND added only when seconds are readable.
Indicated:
h=10 m=8
